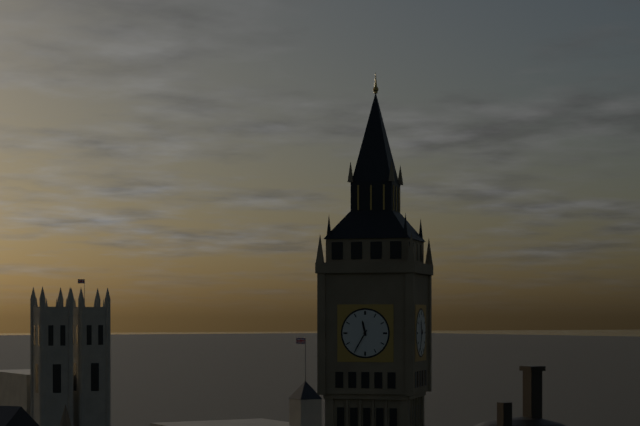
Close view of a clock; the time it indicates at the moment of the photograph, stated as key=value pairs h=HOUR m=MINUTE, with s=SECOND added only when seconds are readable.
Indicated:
h=11 m=35
